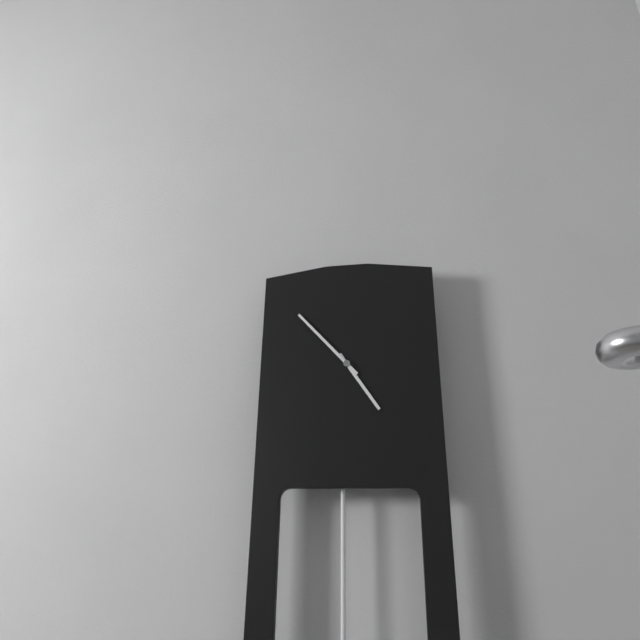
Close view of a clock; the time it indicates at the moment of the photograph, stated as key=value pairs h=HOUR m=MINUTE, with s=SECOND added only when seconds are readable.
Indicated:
h=4 m=53
